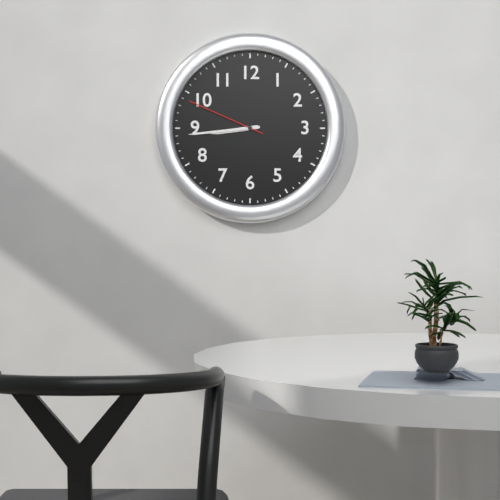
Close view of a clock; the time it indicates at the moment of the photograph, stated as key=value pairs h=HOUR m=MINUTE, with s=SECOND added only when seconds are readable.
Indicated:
h=8 m=44 s=49
